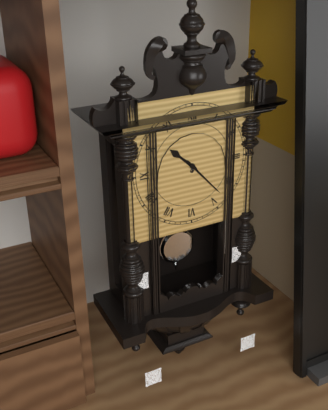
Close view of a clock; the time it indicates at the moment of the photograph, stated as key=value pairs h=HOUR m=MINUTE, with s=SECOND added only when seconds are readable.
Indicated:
h=10 m=23
